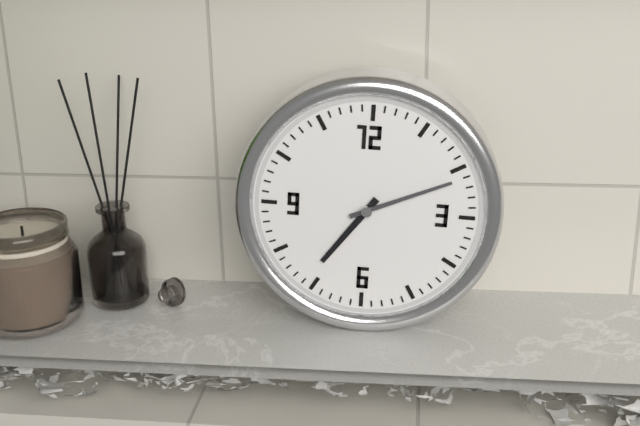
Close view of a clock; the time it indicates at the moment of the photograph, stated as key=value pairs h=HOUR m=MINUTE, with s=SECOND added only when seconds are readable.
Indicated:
h=7 m=11
